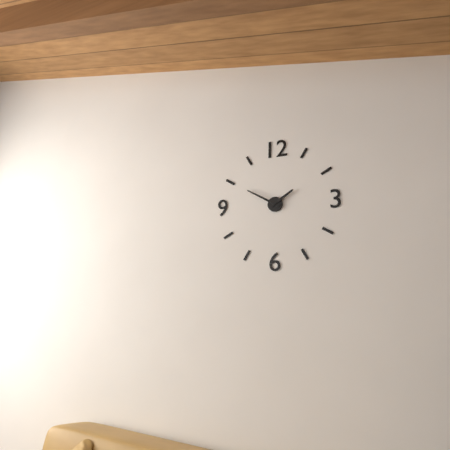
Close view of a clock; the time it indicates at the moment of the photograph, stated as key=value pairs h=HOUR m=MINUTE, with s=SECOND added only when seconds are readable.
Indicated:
h=1 m=50
